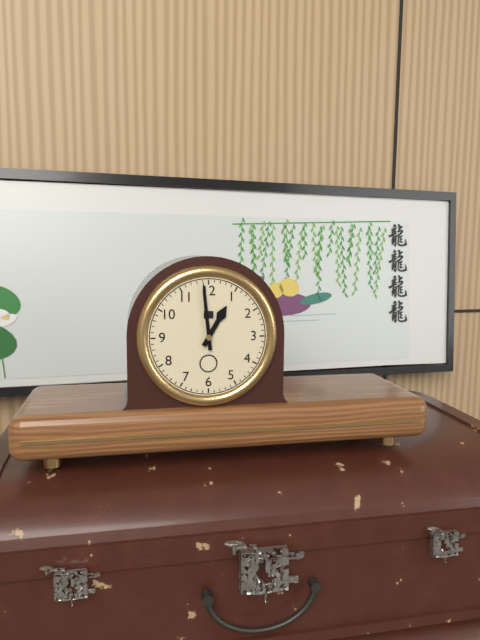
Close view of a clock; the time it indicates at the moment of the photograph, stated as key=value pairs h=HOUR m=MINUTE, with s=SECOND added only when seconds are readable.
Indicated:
h=12 m=59
